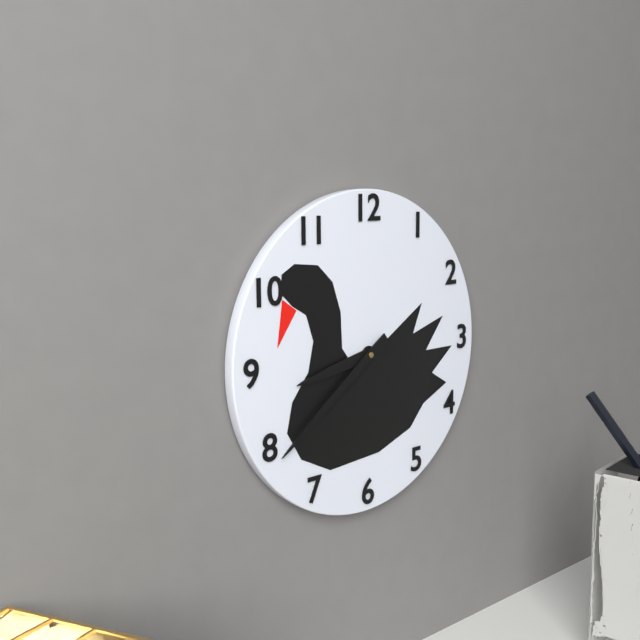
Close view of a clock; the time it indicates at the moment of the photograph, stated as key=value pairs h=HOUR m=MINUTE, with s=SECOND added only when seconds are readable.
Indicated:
h=8 m=39
